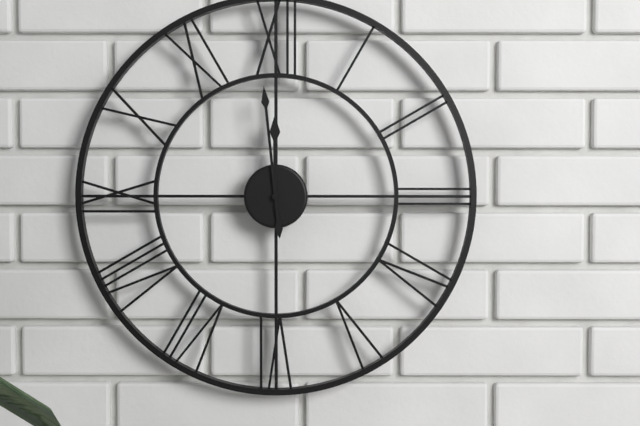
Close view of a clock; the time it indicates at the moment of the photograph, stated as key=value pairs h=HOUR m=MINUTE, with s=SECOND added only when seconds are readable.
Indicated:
h=11 m=59
